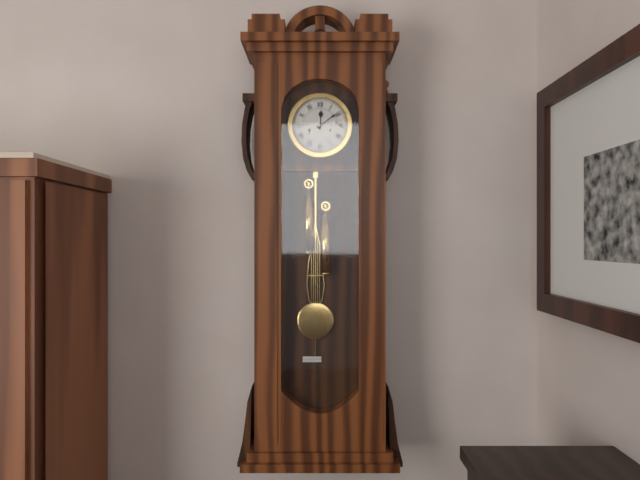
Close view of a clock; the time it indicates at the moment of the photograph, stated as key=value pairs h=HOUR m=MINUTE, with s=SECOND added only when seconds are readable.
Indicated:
h=12 m=9
